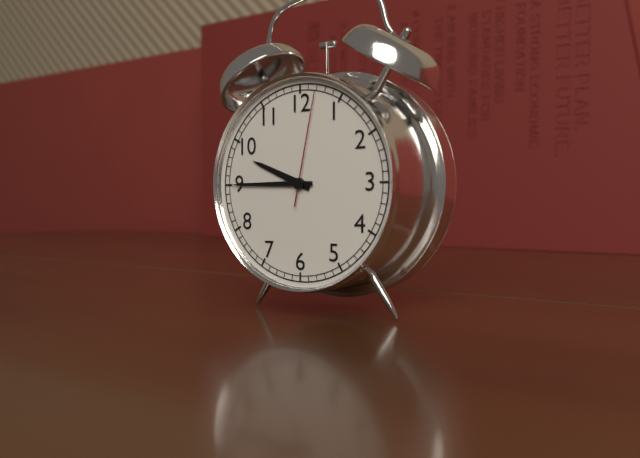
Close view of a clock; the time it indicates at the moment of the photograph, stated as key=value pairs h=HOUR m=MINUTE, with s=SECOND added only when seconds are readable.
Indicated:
h=9 m=45 s=2
